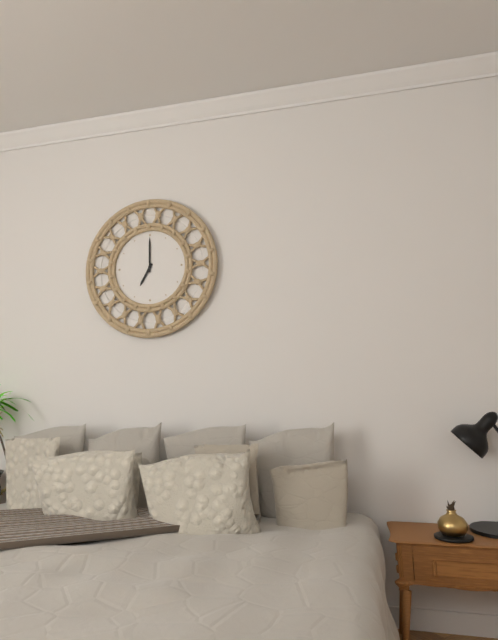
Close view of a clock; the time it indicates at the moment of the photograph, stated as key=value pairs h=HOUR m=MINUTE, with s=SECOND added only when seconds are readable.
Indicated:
h=7 m=0
